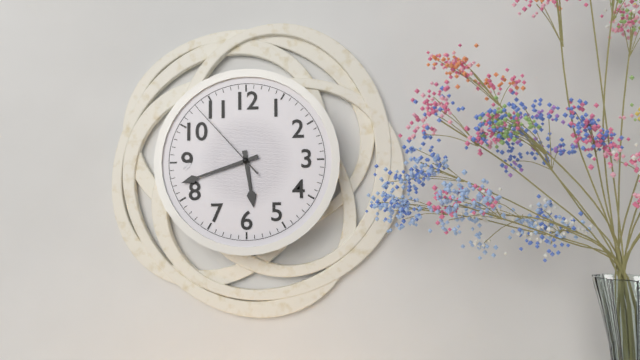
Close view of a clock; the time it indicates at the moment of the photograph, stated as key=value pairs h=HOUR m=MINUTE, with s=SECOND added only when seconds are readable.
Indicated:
h=5 m=42 s=53
